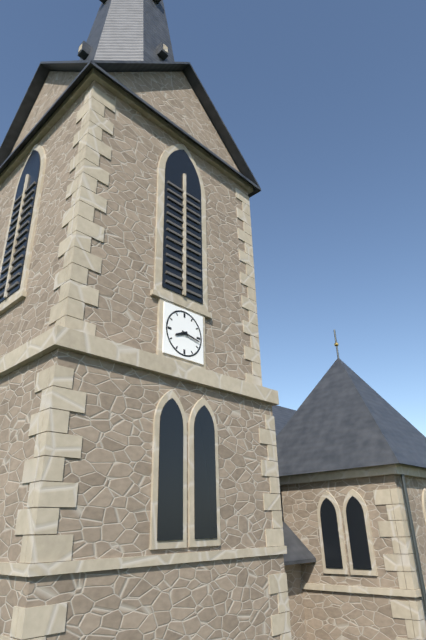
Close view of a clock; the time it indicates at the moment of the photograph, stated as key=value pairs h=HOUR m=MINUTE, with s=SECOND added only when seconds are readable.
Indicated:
h=8 m=17
